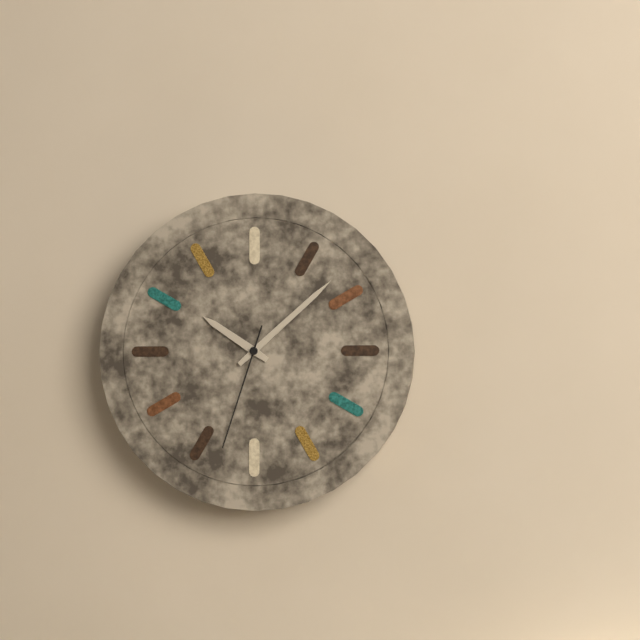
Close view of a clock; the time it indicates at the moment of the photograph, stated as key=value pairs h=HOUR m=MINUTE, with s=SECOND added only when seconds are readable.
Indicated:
h=10 m=8 s=33
